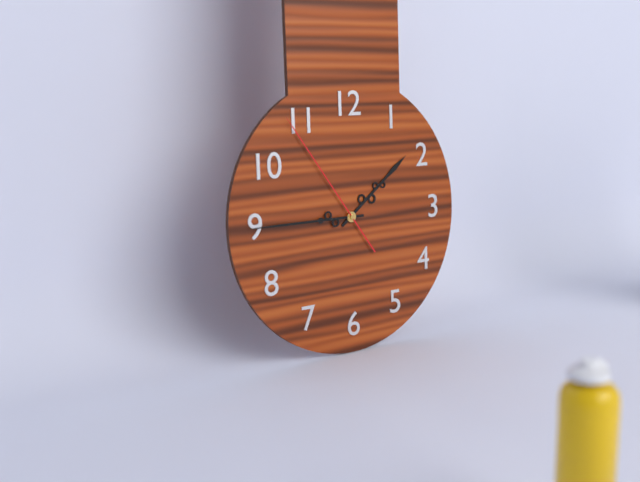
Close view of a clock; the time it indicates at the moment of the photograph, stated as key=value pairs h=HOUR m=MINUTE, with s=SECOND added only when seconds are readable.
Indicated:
h=1 m=45 s=54
